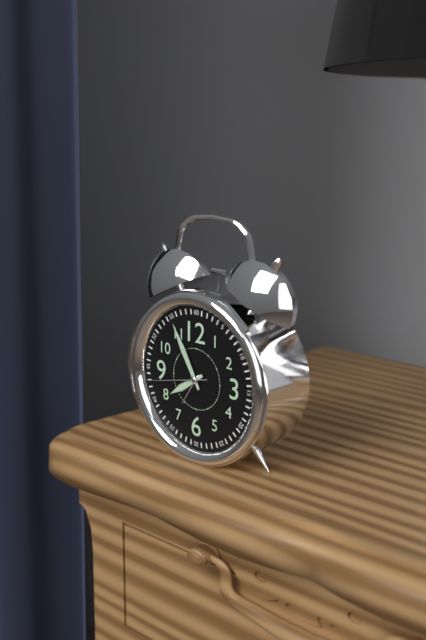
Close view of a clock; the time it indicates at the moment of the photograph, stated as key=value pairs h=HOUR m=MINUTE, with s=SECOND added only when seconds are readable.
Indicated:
h=7 m=55 s=43
